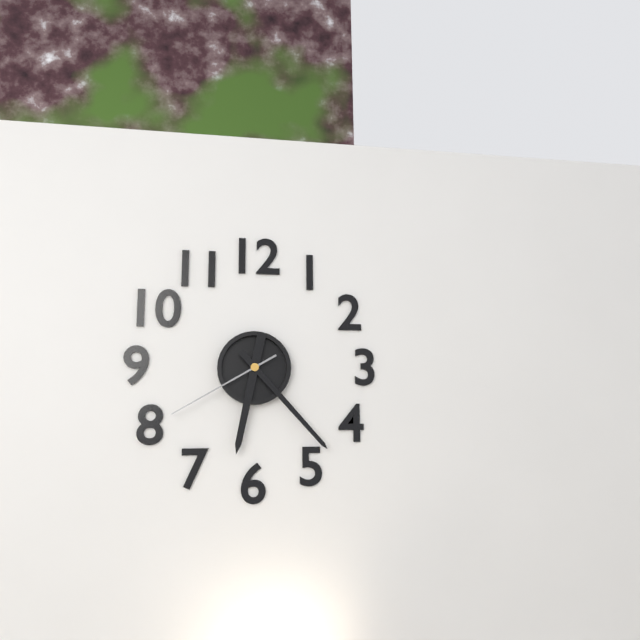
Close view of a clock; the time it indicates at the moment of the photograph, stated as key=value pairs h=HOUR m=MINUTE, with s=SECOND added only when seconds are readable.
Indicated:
h=6 m=23 s=40
